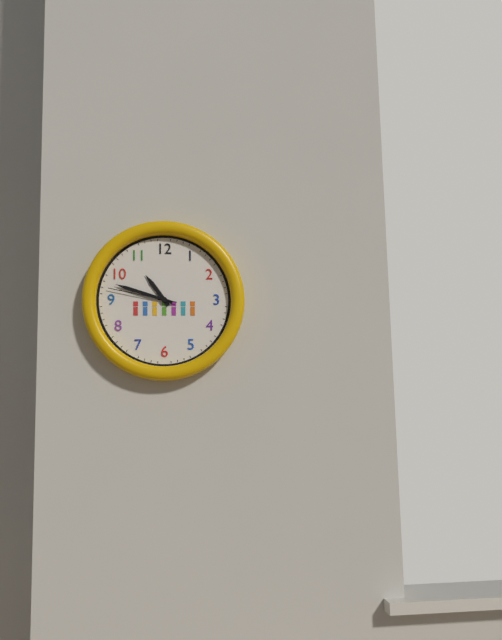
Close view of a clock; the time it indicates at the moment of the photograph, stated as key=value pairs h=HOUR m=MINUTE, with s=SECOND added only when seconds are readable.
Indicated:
h=10 m=48 s=47
